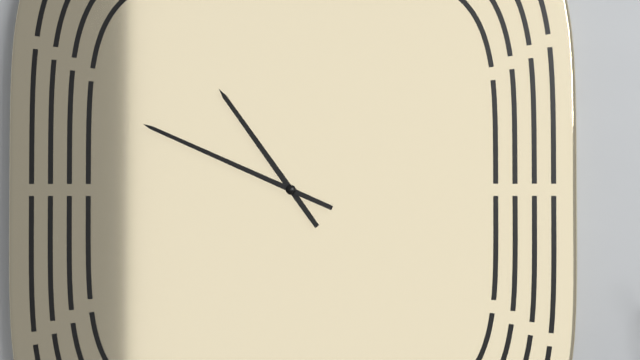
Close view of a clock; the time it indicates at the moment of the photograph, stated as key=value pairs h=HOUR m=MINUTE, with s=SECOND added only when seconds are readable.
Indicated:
h=10 m=49
